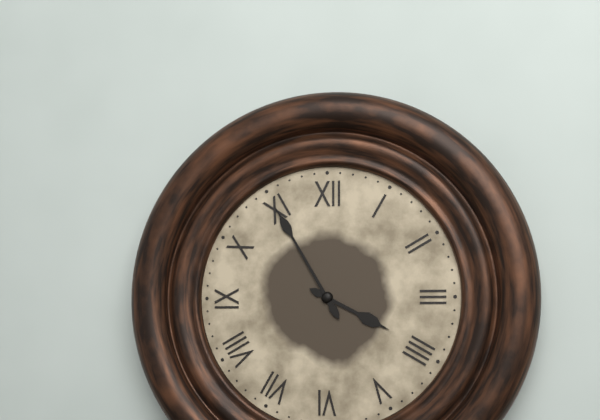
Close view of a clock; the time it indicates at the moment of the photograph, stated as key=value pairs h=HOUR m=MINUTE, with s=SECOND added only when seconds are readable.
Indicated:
h=3 m=55
